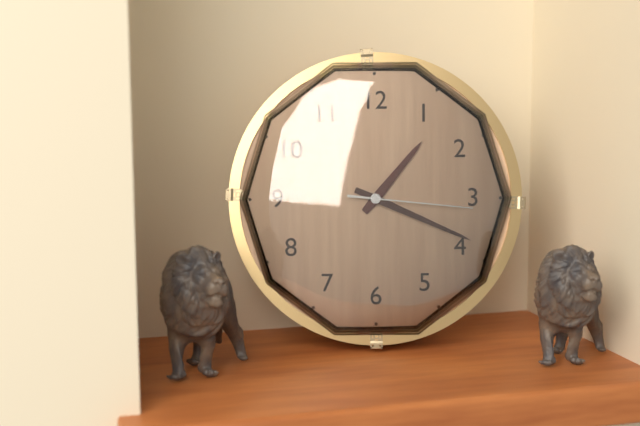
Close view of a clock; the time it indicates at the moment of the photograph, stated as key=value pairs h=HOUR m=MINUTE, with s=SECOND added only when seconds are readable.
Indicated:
h=1 m=19 s=16
